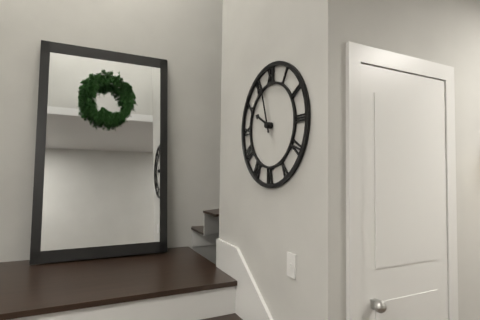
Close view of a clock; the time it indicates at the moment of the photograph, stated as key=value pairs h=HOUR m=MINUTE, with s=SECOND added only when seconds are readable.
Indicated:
h=9 m=57
